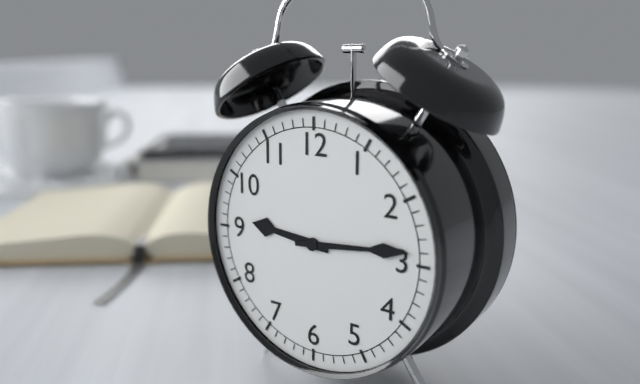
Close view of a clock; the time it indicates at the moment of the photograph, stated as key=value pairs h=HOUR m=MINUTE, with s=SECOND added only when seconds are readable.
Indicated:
h=9 m=14
